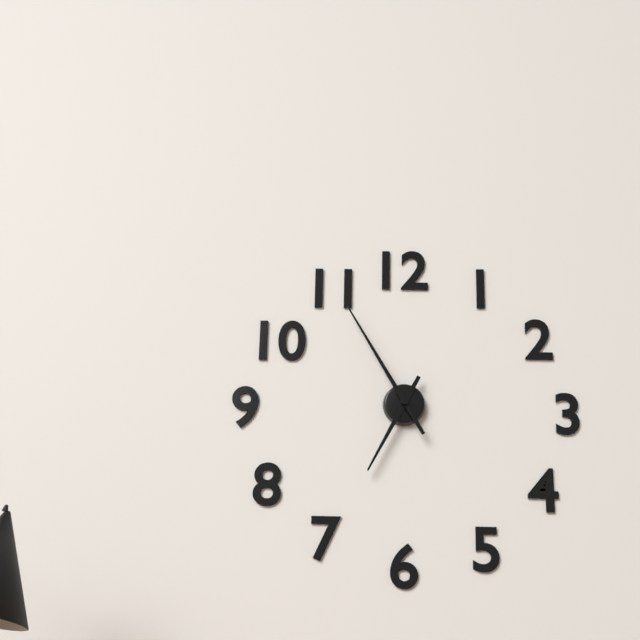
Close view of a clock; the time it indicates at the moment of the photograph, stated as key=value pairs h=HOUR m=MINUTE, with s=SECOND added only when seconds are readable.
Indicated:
h=6 m=55
